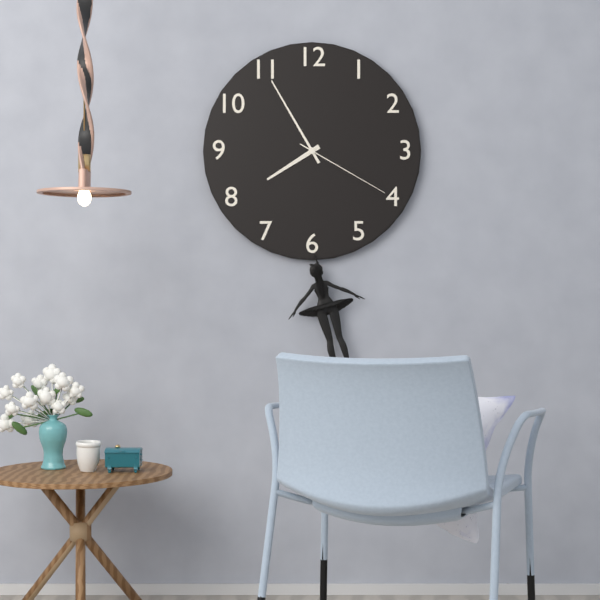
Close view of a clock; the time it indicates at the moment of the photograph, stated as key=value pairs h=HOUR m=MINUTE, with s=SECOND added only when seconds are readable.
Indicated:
h=7 m=55 s=20
